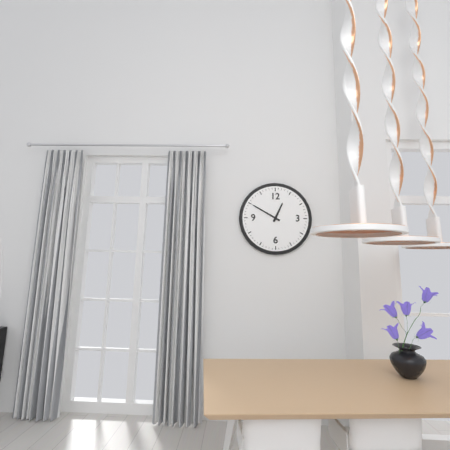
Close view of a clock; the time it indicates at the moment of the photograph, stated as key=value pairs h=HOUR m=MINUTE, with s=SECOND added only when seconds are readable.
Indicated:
h=12 m=50
